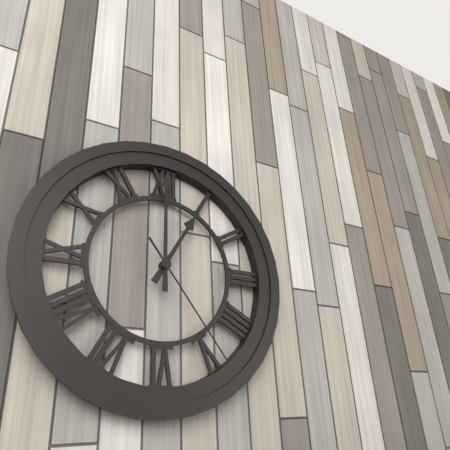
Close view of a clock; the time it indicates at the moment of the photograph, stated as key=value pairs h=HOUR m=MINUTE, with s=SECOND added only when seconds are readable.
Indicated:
h=1 m=0 s=24
